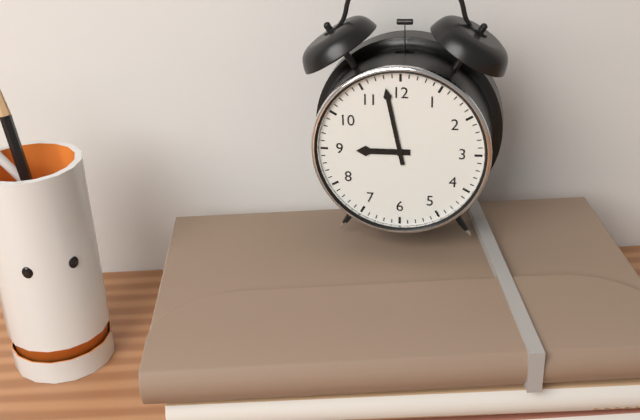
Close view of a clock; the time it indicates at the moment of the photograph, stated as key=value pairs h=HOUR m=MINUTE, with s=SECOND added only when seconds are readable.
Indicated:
h=8 m=58
